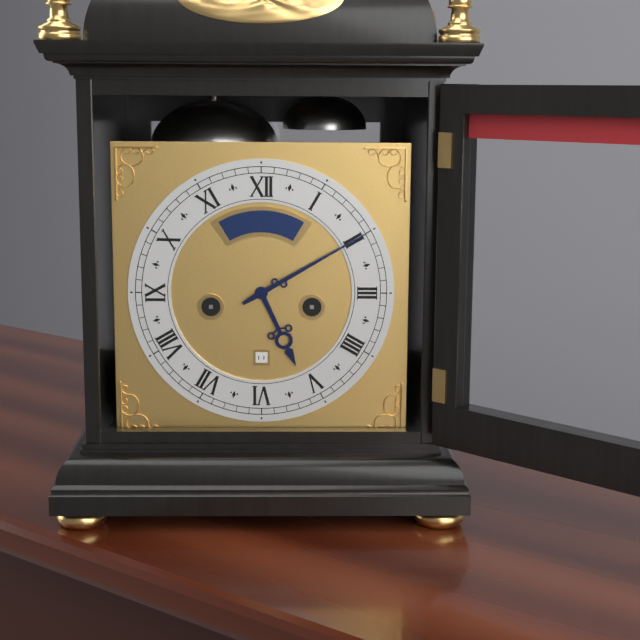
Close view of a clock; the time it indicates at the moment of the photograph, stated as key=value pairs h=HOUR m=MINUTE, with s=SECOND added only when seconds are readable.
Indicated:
h=5 m=10
